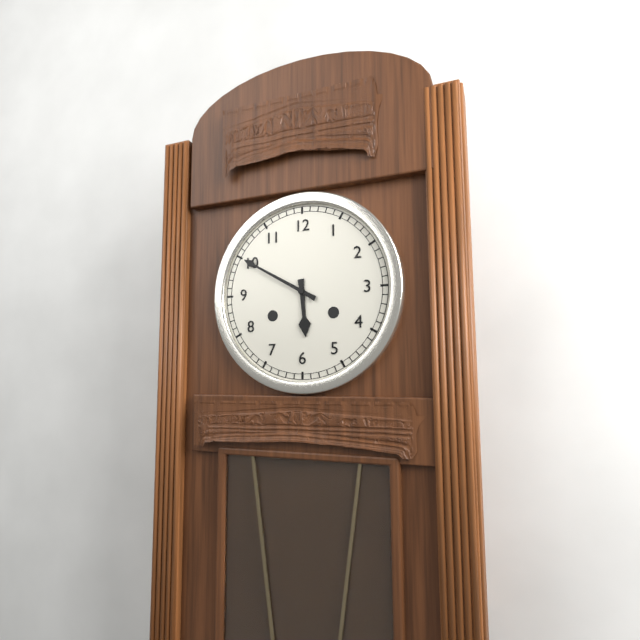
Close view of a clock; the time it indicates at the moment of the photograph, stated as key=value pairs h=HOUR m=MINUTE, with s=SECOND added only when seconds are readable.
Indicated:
h=5 m=50
